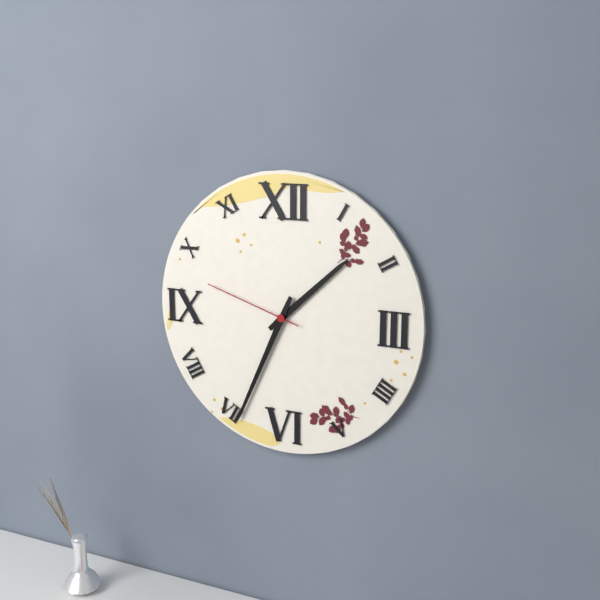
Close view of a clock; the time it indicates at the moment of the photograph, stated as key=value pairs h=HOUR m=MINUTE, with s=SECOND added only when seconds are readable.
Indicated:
h=1 m=34 s=48
